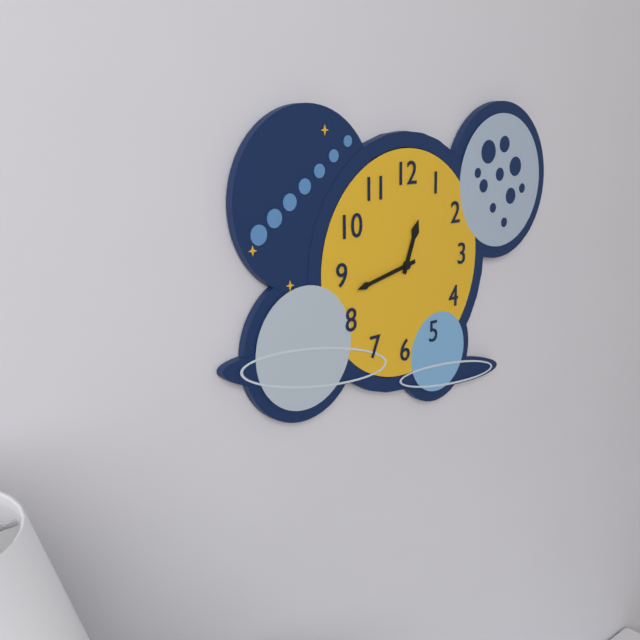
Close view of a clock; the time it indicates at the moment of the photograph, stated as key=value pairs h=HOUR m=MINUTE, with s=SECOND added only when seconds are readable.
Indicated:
h=12 m=43
